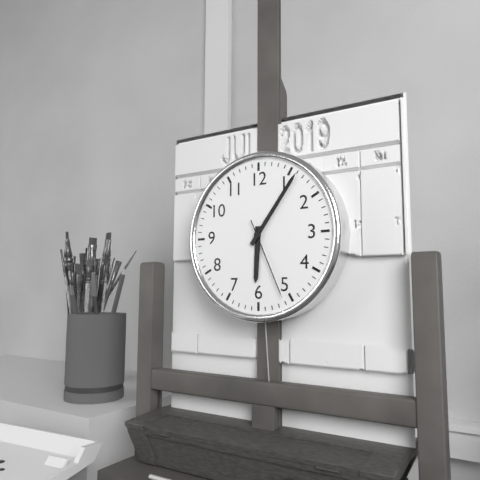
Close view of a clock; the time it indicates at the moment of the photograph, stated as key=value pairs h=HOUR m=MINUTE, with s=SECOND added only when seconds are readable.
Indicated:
h=6 m=6 s=26
